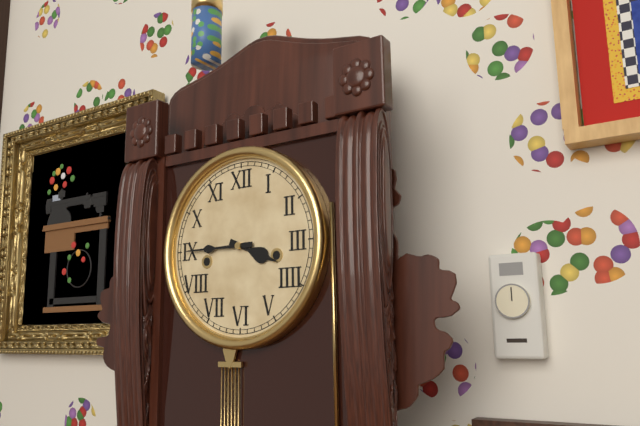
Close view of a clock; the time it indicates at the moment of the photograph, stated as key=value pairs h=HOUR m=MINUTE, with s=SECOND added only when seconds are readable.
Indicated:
h=3 m=45
